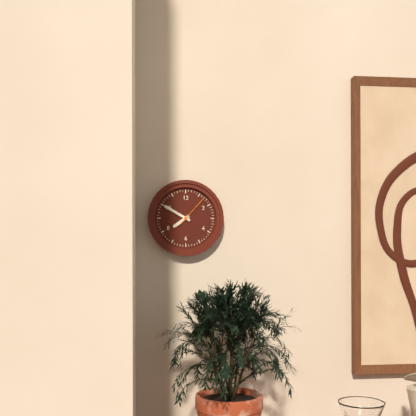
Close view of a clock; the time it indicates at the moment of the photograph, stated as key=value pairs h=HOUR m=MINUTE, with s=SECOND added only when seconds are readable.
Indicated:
h=7 m=50
